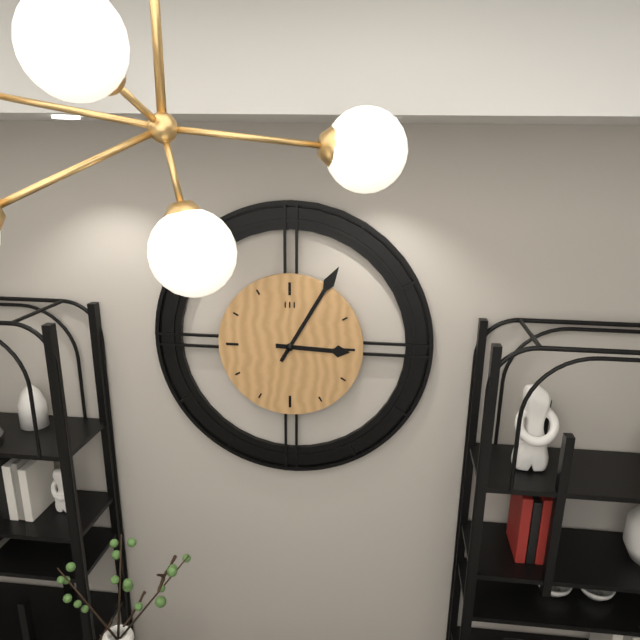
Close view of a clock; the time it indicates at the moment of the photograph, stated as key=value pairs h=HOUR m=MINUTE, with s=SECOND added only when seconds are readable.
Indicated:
h=3 m=5
